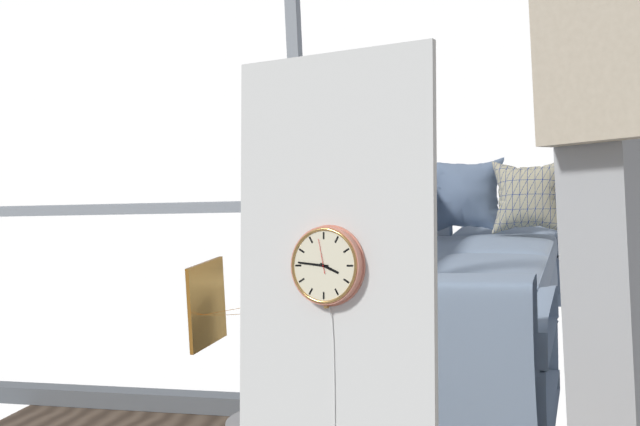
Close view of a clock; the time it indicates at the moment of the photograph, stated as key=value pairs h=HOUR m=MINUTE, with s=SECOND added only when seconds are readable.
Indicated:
h=3 m=46
